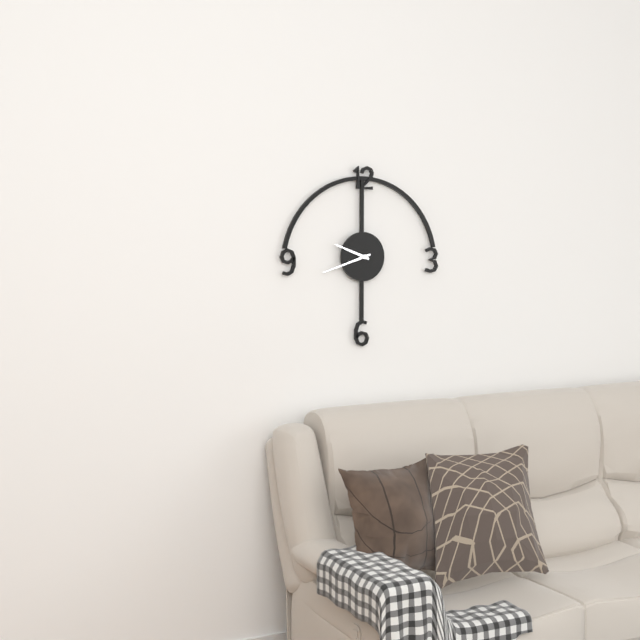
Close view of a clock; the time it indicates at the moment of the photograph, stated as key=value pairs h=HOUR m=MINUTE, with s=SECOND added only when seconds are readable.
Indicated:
h=9 m=42
